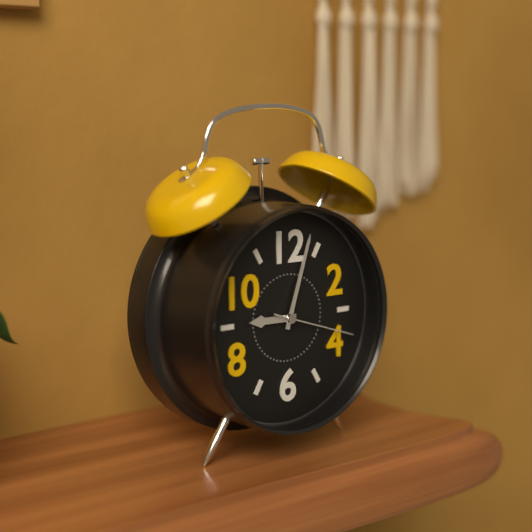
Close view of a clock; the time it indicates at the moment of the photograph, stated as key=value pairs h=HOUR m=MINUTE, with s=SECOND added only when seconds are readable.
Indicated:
h=9 m=3 s=18
